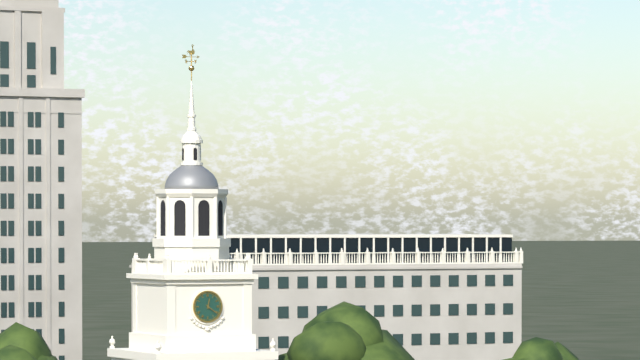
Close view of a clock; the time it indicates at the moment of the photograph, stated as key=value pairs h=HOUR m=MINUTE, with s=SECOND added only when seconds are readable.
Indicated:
h=12 m=21
